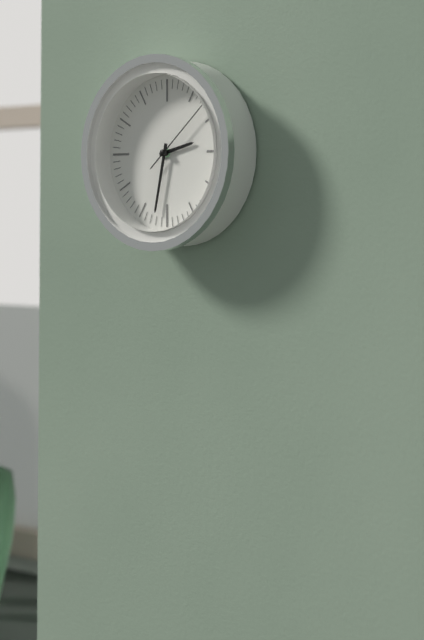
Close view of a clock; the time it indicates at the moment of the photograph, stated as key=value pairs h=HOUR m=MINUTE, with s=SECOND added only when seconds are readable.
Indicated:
h=2 m=32 s=8
